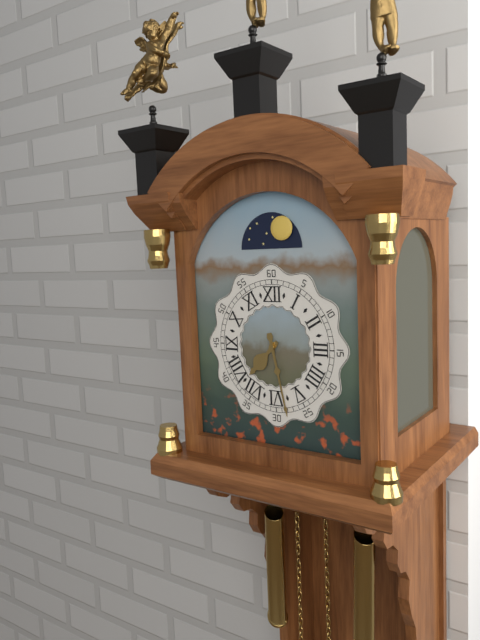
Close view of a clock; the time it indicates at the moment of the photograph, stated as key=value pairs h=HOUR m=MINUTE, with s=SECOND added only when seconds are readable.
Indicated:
h=7 m=28
